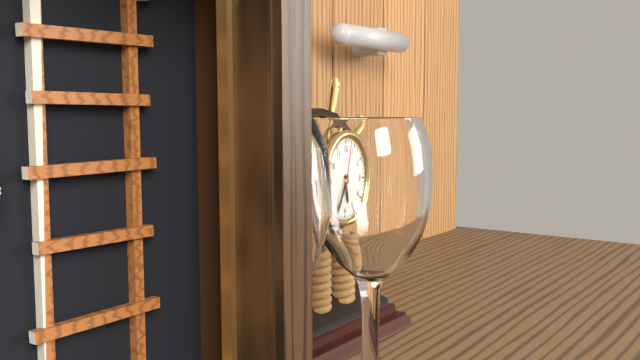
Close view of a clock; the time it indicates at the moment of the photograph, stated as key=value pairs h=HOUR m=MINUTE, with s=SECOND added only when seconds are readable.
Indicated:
h=5 m=35
